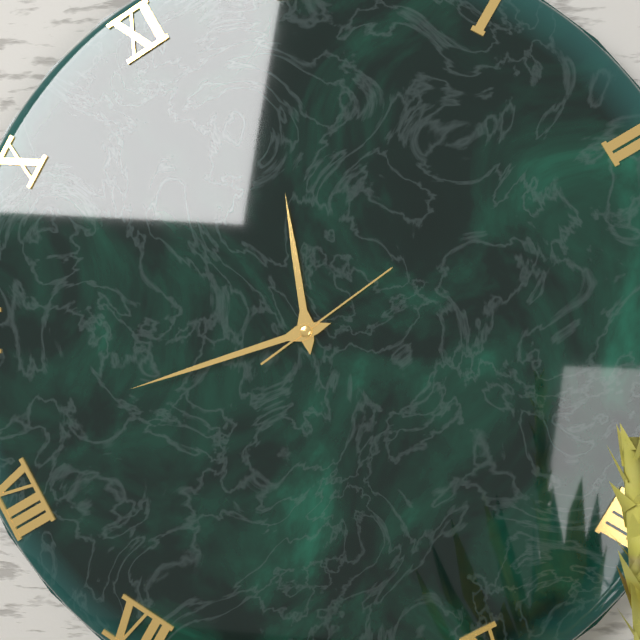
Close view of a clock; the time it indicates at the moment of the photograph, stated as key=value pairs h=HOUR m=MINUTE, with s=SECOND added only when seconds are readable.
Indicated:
h=11 m=42 s=9
